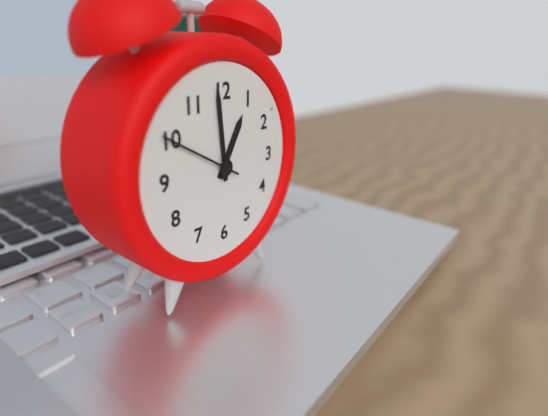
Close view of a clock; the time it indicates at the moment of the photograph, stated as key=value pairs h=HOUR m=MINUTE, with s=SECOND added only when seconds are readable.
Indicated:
h=12 m=59 s=50
